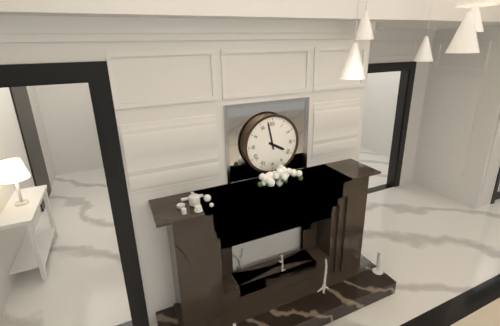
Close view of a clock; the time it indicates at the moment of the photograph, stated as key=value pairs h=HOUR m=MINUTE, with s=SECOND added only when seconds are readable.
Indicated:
h=3 m=58
